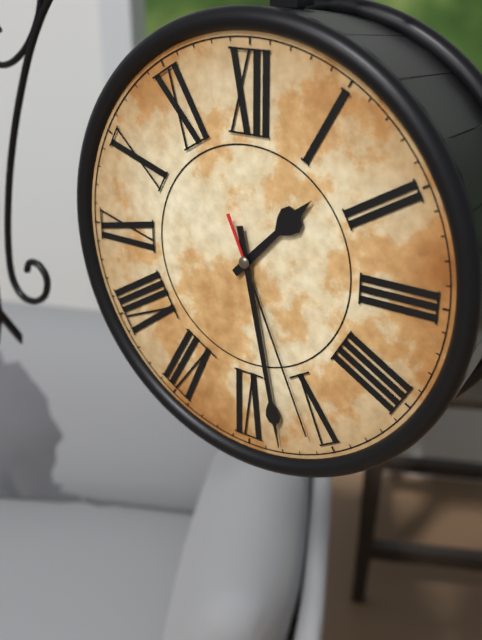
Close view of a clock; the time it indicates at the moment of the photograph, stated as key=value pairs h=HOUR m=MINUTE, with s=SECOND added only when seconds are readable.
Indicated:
h=1 m=28 s=26
